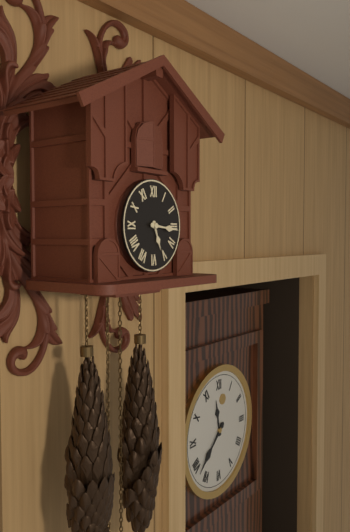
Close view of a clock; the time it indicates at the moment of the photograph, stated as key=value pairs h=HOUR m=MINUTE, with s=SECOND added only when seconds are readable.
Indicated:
h=5 m=16
